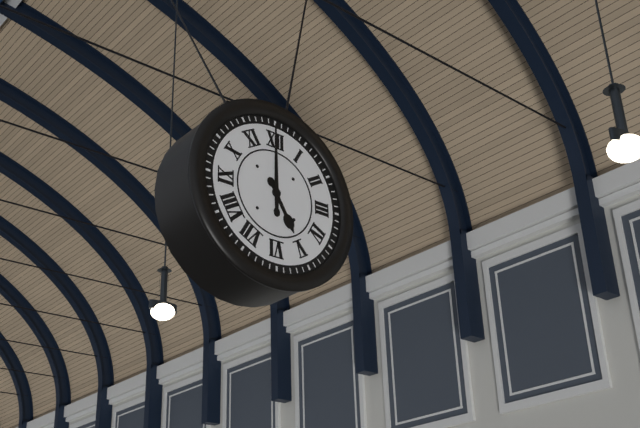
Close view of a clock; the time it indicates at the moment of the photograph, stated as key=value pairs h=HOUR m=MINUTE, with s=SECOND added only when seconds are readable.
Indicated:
h=5 m=0
